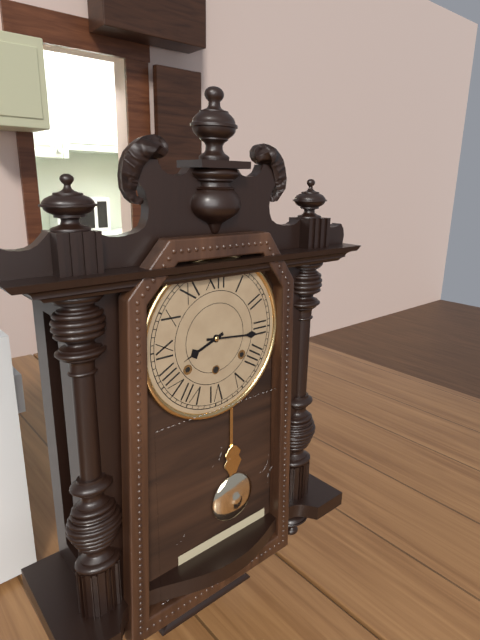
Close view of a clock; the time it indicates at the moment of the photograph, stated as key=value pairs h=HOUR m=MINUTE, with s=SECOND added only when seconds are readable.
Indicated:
h=8 m=16
